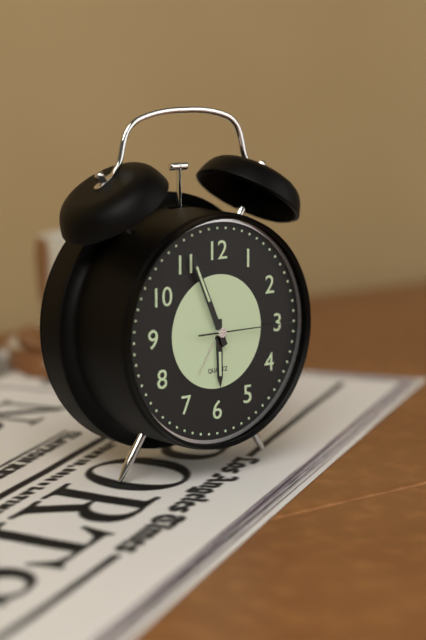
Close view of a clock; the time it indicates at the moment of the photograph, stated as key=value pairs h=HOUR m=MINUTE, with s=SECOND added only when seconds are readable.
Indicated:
h=5 m=56 s=15
